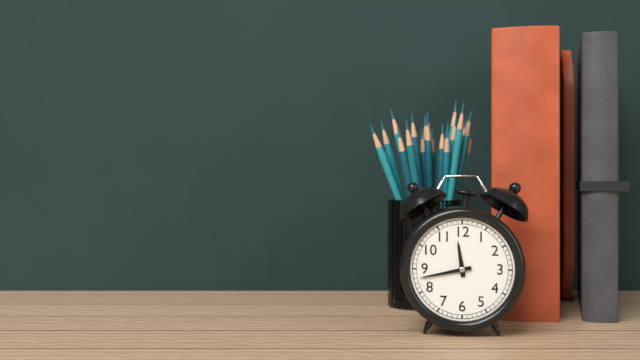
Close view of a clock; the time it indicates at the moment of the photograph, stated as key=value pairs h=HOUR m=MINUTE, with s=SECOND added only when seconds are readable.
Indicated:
h=11 m=43
